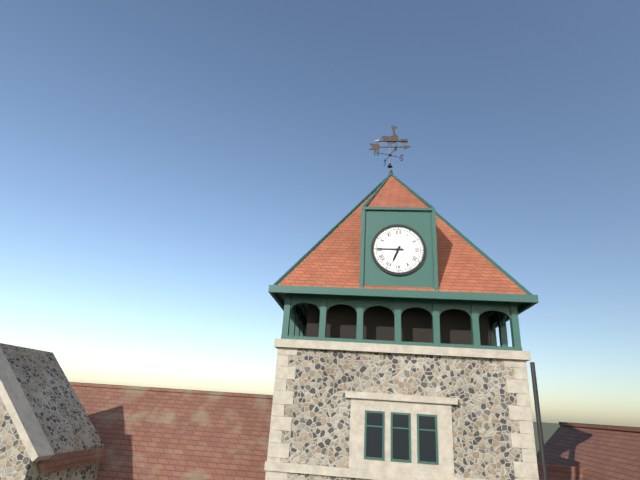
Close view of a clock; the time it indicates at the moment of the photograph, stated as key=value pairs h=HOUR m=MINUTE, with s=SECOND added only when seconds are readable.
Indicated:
h=6 m=45
